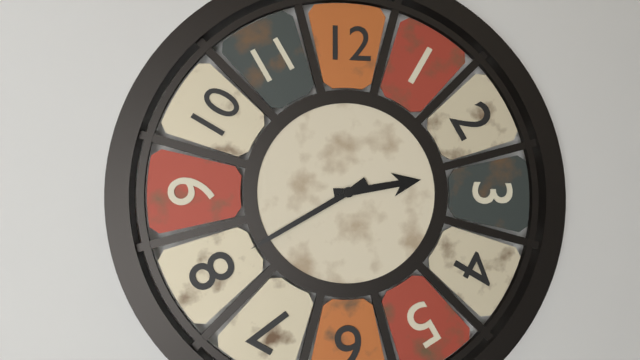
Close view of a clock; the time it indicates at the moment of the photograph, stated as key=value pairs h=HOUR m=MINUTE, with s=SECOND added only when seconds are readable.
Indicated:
h=2 m=40
